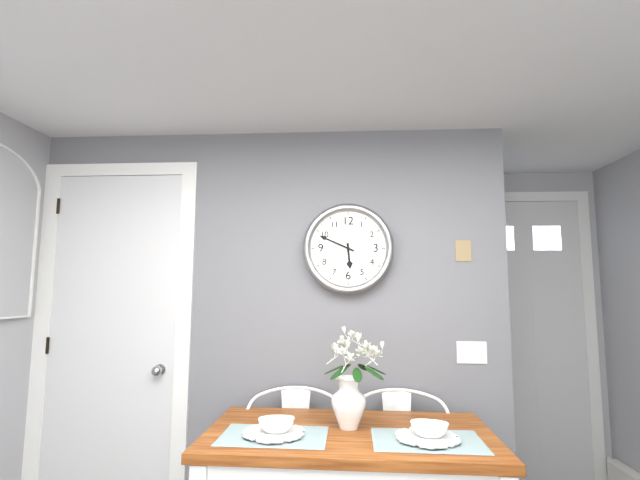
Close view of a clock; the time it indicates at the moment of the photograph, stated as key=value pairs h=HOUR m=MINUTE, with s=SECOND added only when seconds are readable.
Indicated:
h=5 m=49
